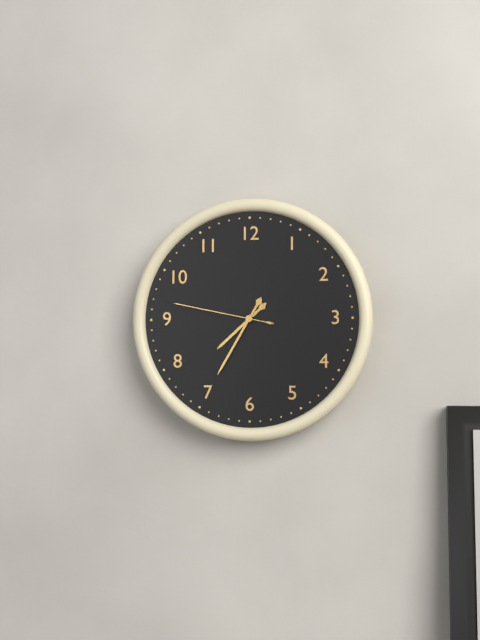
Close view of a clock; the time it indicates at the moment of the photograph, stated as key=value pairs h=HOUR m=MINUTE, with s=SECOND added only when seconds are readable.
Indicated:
h=7 m=35 s=47
